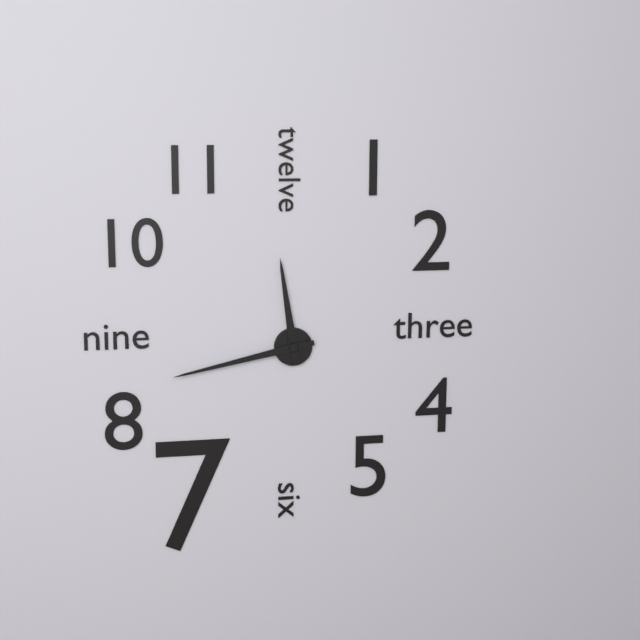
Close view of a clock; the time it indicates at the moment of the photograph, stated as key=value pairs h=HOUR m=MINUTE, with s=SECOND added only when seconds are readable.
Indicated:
h=11 m=43
